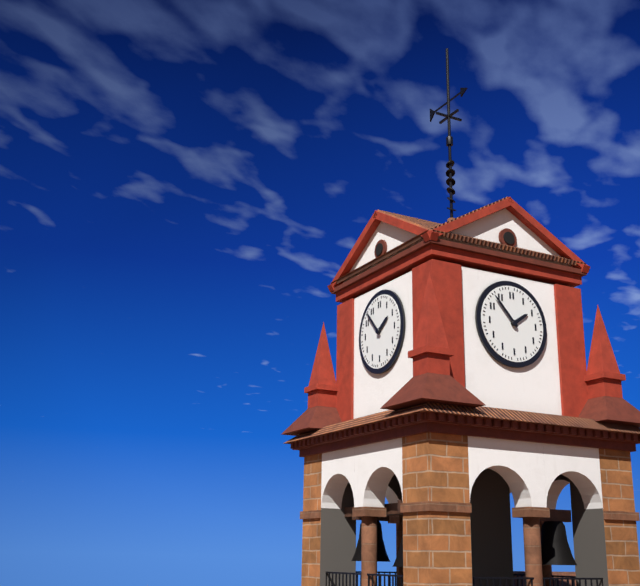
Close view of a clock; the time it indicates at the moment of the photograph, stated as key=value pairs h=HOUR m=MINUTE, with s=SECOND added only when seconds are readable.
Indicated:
h=1 m=53
